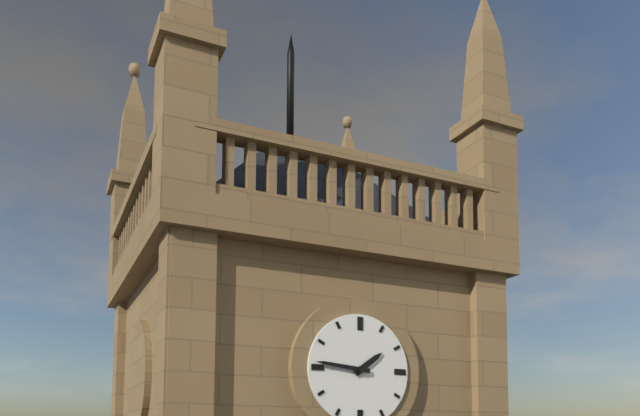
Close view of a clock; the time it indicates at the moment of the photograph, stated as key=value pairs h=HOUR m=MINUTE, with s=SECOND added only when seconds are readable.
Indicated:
h=1 m=46
